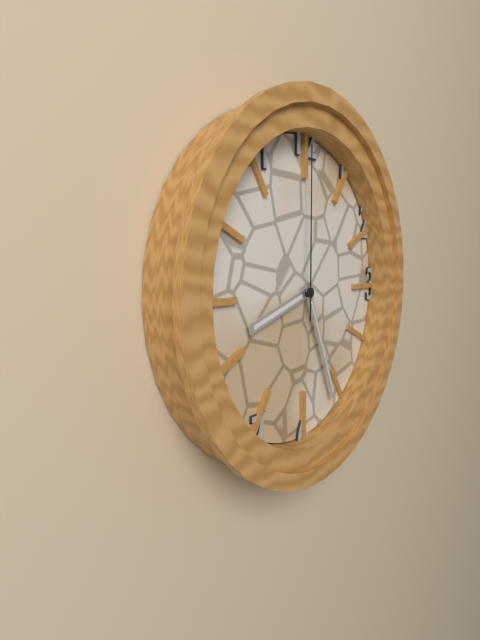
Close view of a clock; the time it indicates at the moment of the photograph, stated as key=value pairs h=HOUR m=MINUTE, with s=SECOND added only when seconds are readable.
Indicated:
h=8 m=26 s=0
